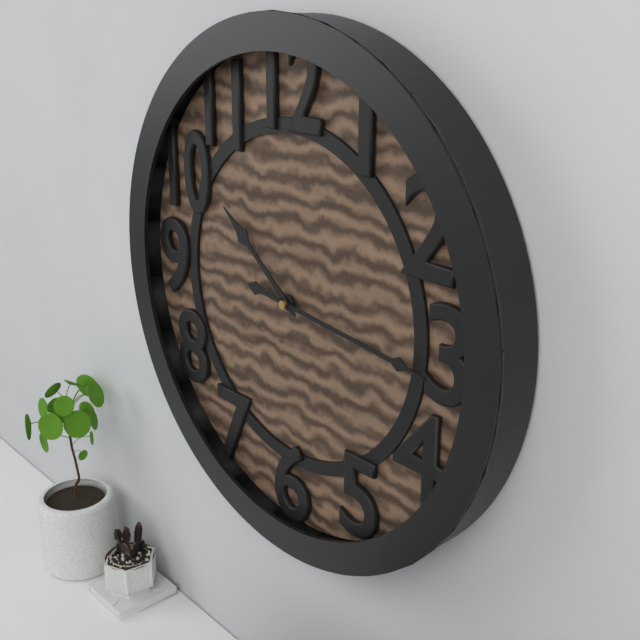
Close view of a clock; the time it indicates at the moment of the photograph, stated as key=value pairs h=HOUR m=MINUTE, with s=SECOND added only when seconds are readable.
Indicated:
h=10 m=16
